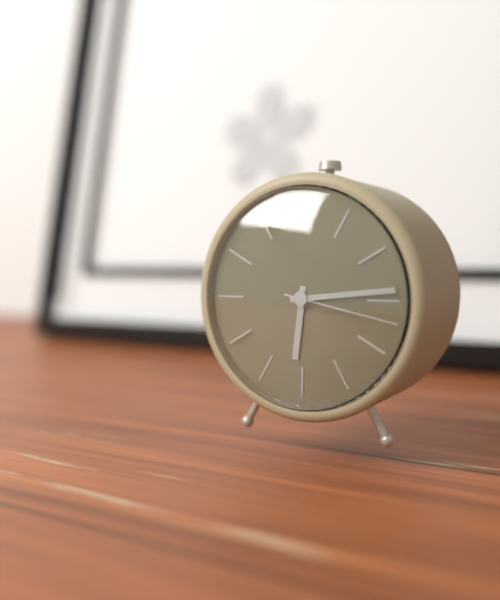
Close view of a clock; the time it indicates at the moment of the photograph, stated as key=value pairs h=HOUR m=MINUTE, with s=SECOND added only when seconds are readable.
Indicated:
h=6 m=14 s=17
